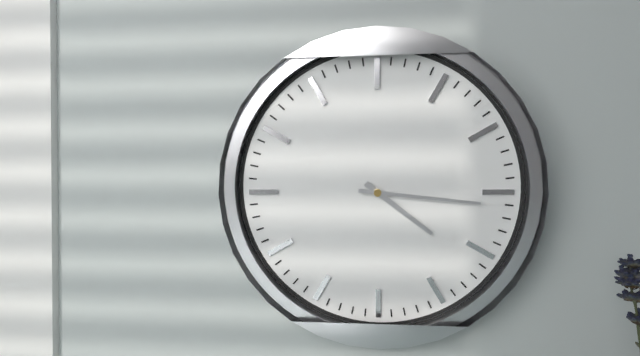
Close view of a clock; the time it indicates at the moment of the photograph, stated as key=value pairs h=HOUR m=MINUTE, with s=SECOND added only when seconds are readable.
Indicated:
h=4 m=16
